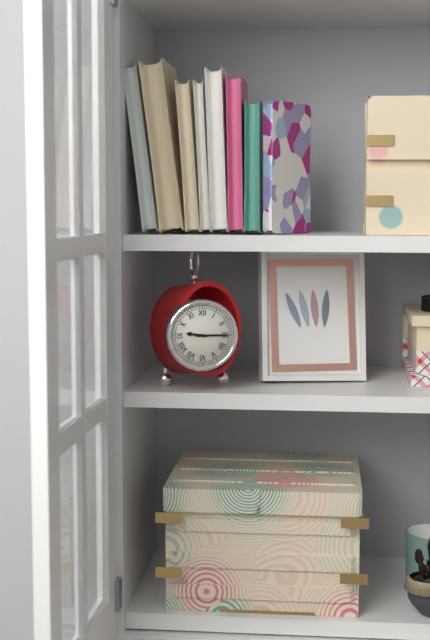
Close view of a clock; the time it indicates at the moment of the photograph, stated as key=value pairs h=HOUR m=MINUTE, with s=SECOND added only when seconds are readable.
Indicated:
h=9 m=15
